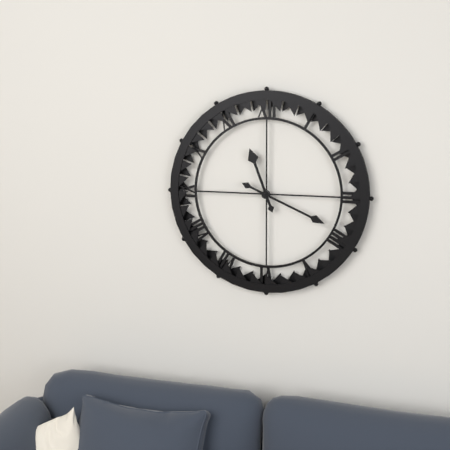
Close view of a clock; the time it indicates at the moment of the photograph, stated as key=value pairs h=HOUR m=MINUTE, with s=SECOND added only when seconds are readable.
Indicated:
h=11 m=19
